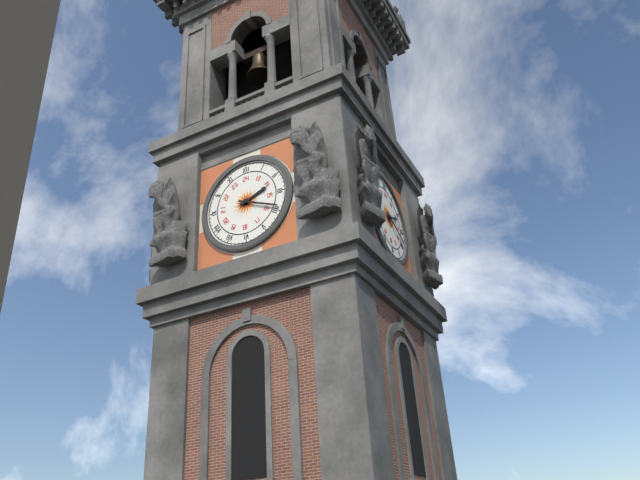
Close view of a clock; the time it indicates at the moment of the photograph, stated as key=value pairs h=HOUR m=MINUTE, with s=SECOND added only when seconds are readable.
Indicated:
h=2 m=19
